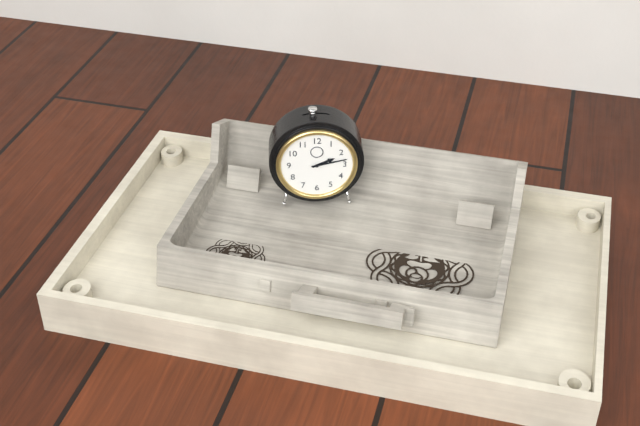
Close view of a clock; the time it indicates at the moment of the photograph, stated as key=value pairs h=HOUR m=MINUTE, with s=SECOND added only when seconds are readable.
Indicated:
h=2 m=13
